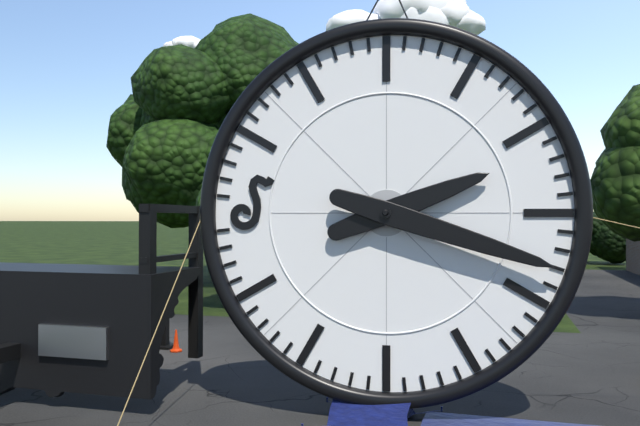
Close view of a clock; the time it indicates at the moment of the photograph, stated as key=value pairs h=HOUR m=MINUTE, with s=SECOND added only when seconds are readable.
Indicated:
h=2 m=18
